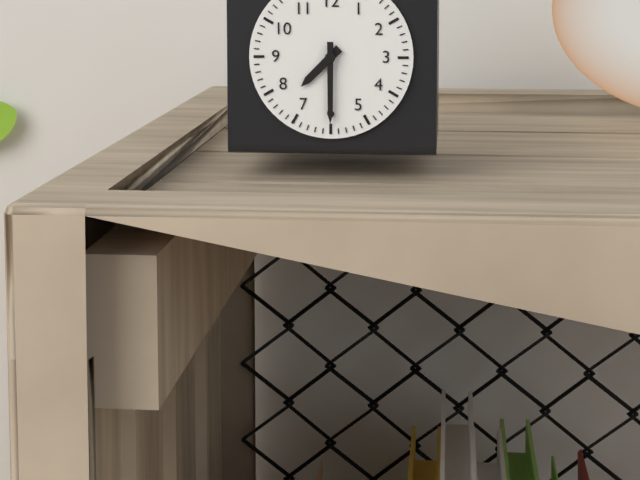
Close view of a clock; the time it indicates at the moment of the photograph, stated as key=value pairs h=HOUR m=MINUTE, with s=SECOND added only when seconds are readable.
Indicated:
h=7 m=30
